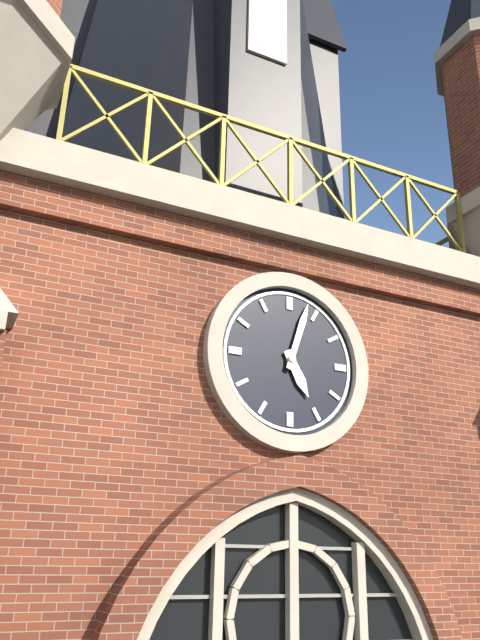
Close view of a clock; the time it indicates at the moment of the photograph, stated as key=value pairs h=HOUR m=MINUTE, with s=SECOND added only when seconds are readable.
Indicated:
h=5 m=3
